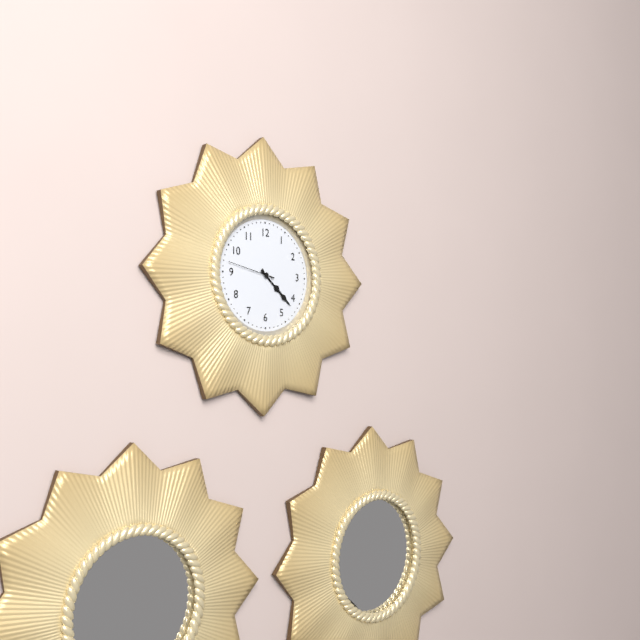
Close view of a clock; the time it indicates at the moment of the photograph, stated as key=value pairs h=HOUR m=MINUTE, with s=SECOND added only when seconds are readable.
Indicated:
h=4 m=22 s=47
